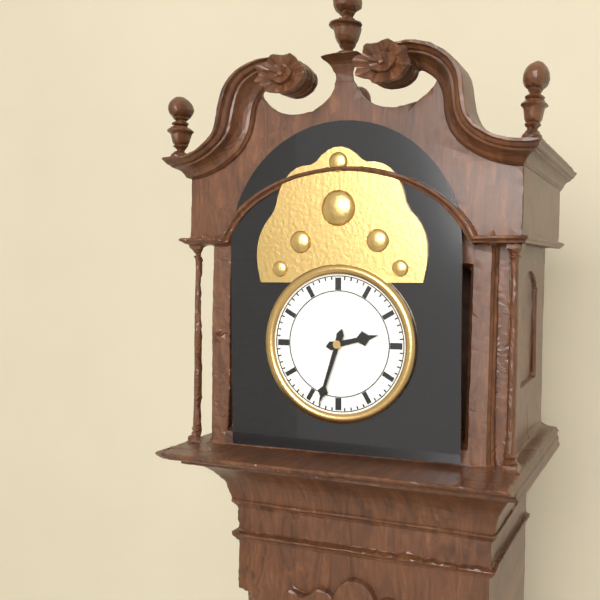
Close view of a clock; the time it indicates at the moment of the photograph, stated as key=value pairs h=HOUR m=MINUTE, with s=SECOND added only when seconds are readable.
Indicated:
h=2 m=33
